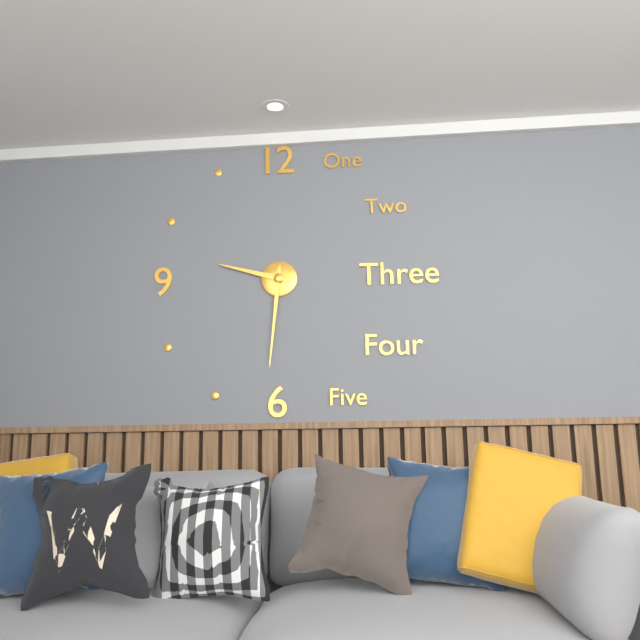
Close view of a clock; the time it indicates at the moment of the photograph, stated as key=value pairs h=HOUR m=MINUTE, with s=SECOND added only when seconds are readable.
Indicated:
h=9 m=31
